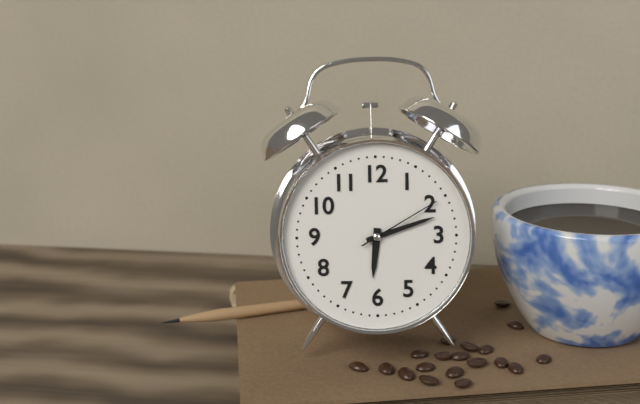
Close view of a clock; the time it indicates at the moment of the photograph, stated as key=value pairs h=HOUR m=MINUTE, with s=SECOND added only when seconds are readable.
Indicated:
h=6 m=12 s=10
